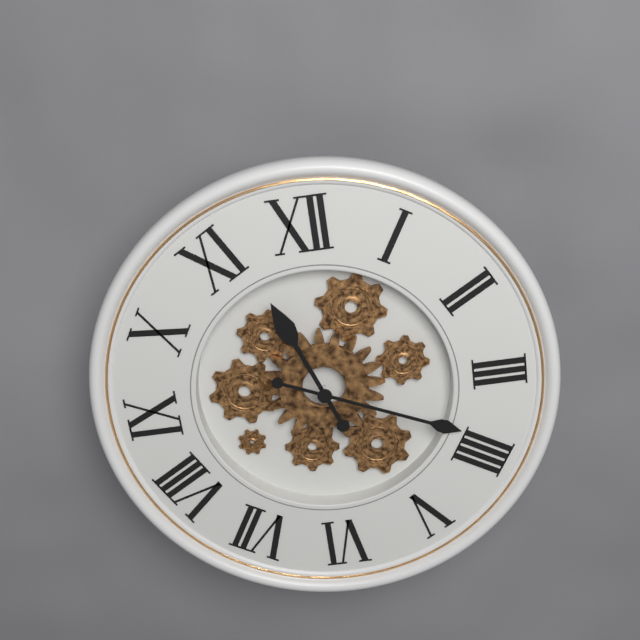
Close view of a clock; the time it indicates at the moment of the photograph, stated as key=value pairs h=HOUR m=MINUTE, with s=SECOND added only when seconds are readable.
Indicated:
h=11 m=19
